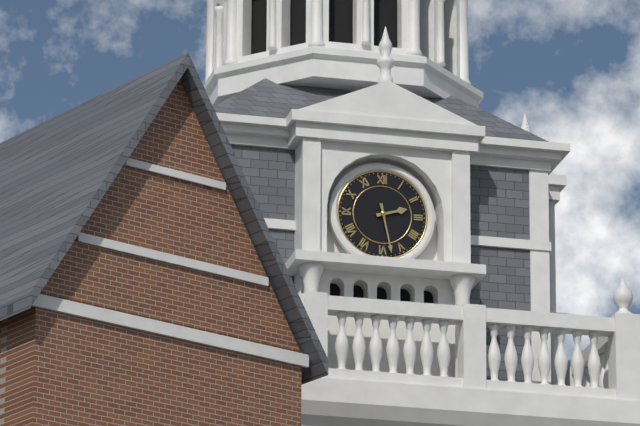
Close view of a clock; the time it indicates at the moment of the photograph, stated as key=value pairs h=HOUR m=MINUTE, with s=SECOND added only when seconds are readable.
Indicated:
h=2 m=28
